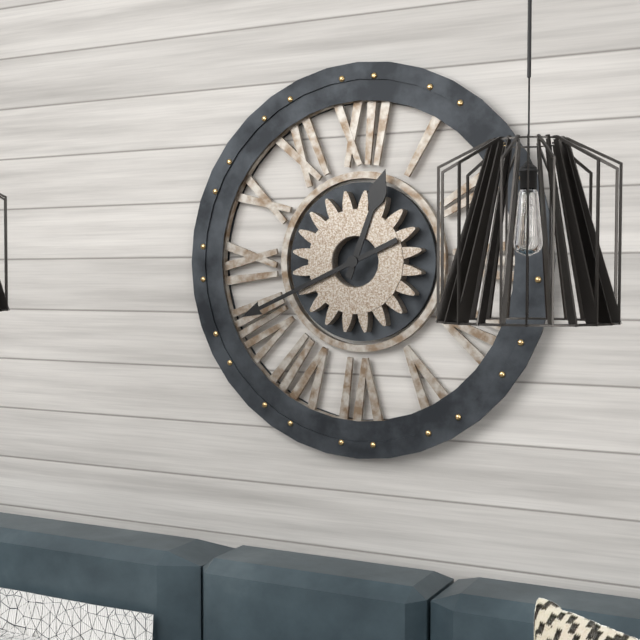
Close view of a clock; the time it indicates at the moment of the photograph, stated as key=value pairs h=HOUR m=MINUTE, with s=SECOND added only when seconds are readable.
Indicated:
h=12 m=41
